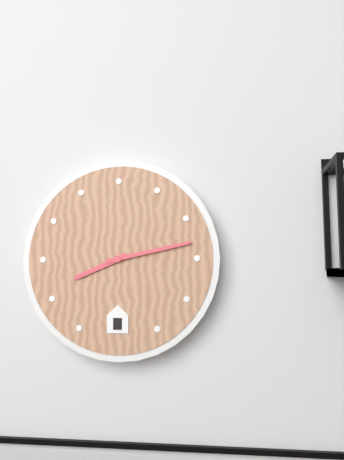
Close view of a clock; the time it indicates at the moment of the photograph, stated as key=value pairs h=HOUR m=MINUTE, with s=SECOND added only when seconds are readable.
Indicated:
h=8 m=13
